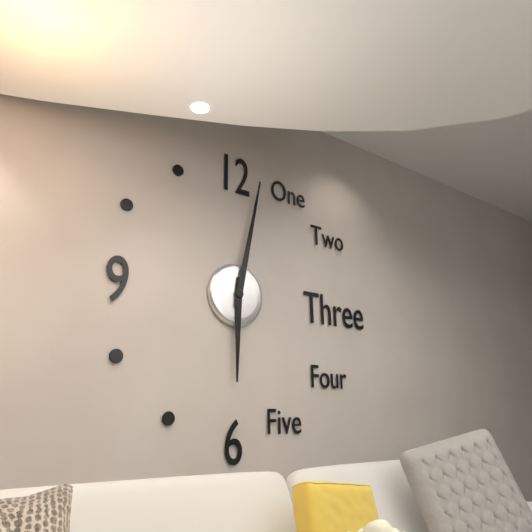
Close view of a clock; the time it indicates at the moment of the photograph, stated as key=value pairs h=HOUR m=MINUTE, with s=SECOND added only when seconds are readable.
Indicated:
h=6 m=2
